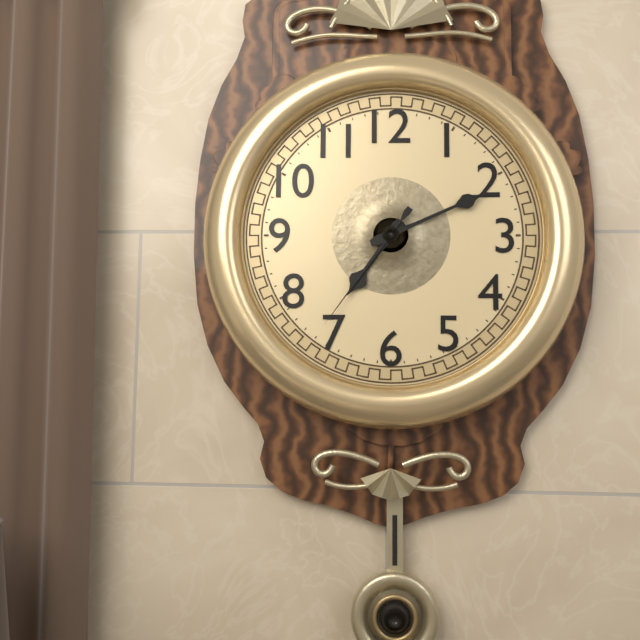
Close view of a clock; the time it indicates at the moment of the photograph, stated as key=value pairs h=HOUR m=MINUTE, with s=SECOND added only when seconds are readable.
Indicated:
h=7 m=11 s=36
